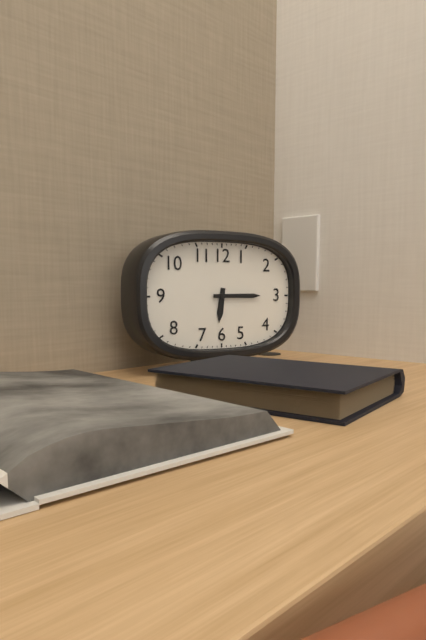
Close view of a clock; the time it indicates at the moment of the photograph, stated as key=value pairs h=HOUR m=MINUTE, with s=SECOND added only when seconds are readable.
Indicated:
h=6 m=15
